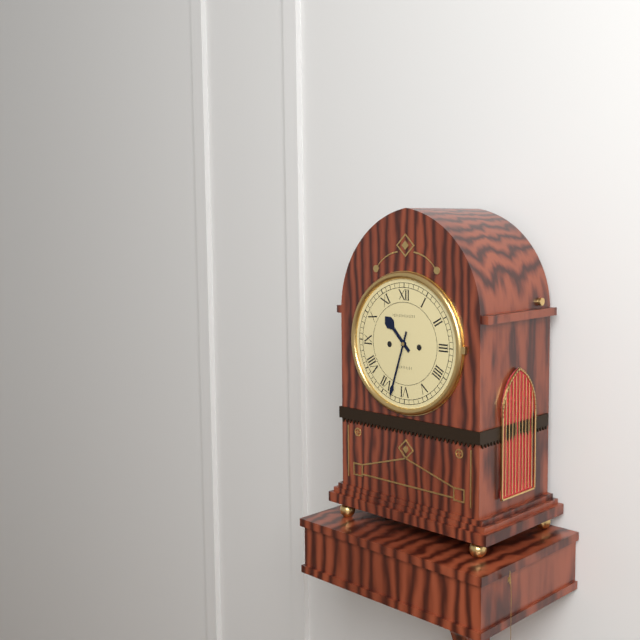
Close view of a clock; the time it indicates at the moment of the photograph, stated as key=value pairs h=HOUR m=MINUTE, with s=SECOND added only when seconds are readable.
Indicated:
h=10 m=33
